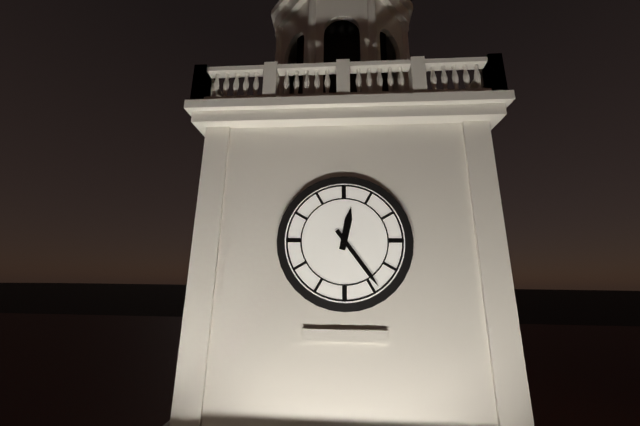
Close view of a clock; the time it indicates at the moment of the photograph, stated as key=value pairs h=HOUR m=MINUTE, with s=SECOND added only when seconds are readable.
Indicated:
h=12 m=24
